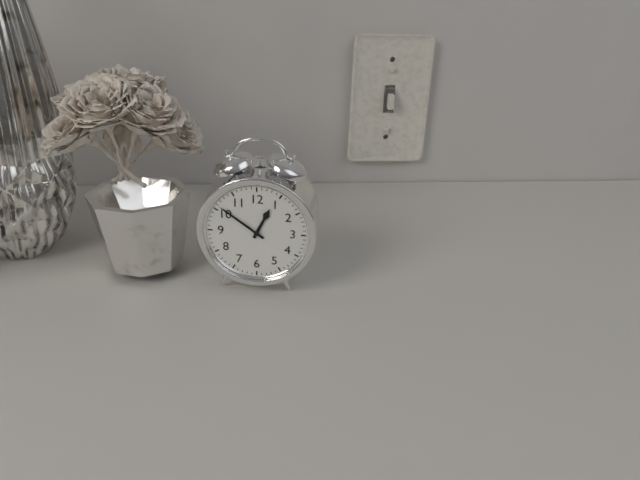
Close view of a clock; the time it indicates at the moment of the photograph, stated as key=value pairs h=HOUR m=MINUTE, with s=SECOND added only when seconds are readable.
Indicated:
h=12 m=51
